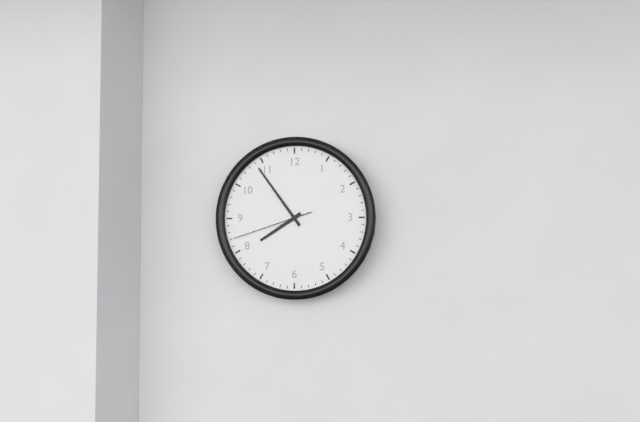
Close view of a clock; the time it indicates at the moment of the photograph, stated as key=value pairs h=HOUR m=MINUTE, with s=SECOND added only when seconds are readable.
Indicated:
h=7 m=54 s=42
